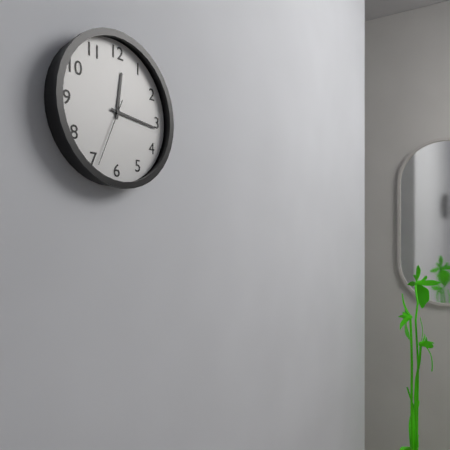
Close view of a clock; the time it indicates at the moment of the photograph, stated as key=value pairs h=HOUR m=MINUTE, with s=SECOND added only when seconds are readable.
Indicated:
h=12 m=16 s=34
